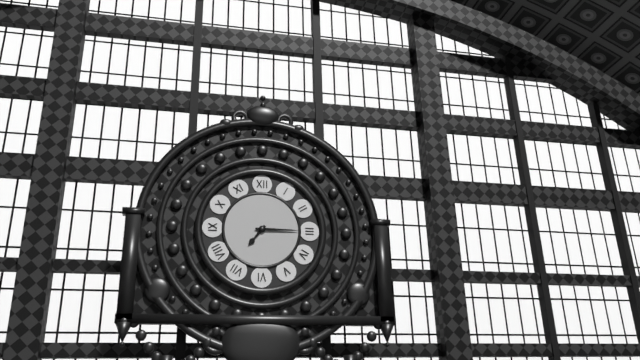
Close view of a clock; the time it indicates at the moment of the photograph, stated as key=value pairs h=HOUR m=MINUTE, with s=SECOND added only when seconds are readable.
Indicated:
h=7 m=15
